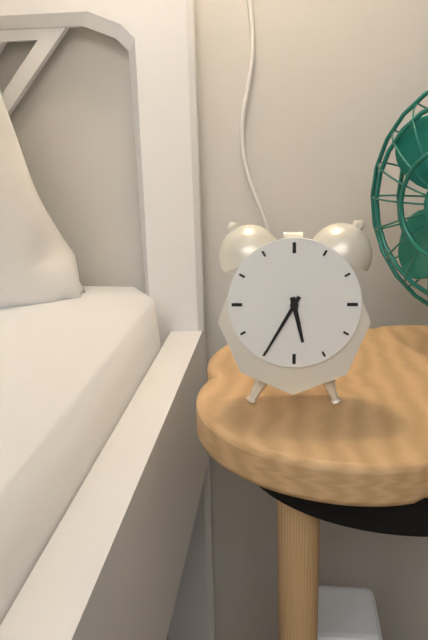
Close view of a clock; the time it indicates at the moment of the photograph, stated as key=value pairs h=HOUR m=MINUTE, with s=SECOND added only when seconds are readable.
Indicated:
h=5 m=35
